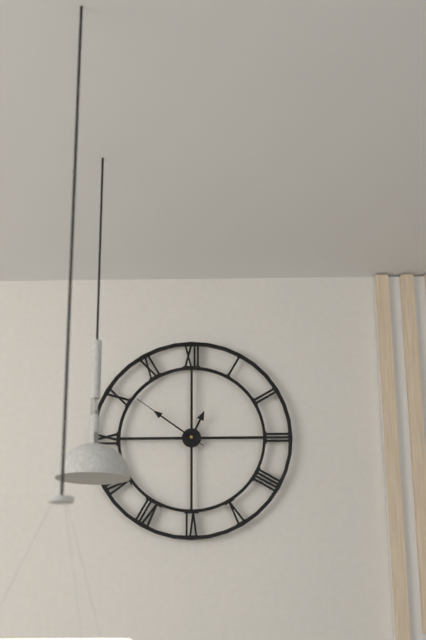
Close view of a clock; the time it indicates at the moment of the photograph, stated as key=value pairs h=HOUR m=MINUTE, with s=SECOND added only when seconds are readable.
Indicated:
h=12 m=51 s=51
